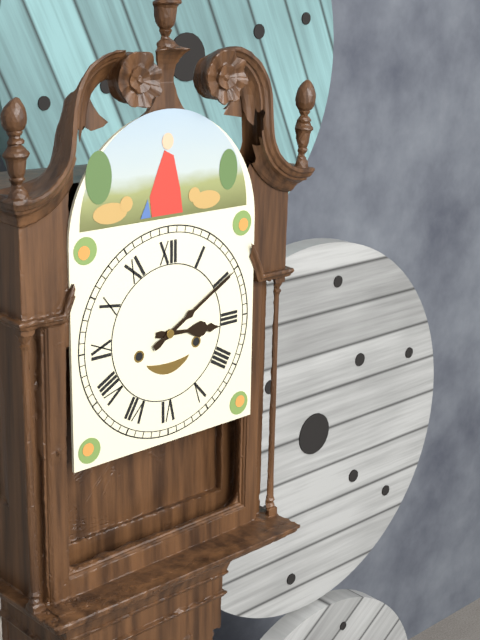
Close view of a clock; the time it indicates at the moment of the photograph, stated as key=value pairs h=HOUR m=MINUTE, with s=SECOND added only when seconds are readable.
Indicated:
h=3 m=10
